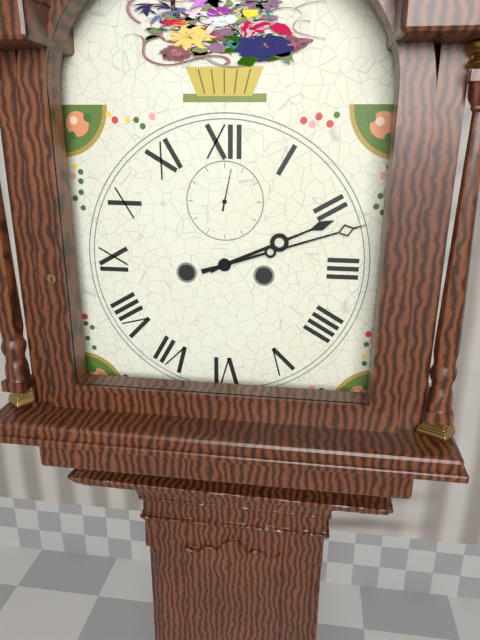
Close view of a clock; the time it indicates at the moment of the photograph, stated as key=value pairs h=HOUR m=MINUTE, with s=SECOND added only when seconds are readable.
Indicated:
h=2 m=12
